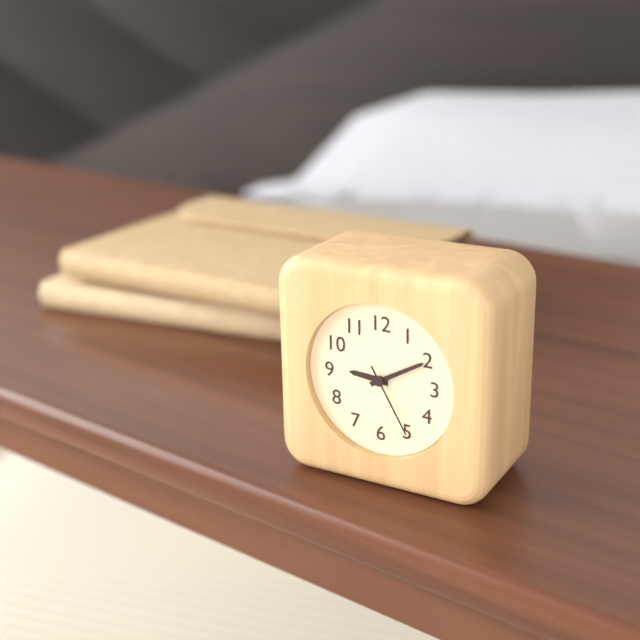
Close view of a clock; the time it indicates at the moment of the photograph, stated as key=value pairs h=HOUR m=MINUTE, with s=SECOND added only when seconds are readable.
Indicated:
h=9 m=10 s=25
